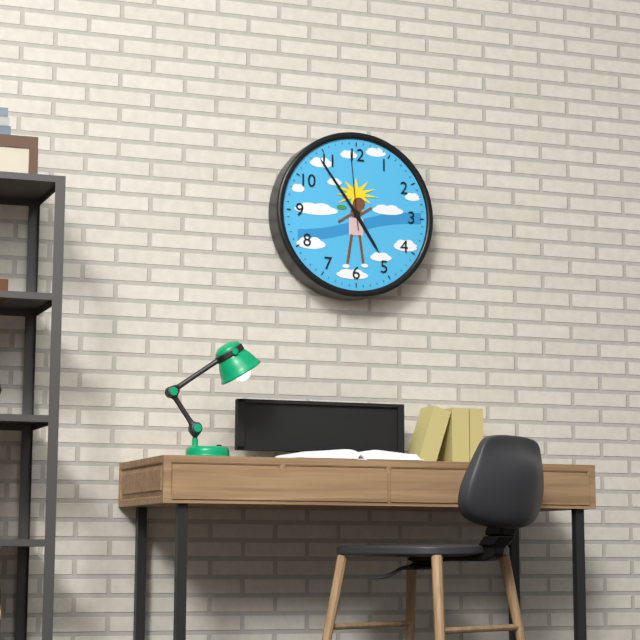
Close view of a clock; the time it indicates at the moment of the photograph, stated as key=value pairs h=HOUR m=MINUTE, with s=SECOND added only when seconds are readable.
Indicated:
h=4 m=54 s=59
